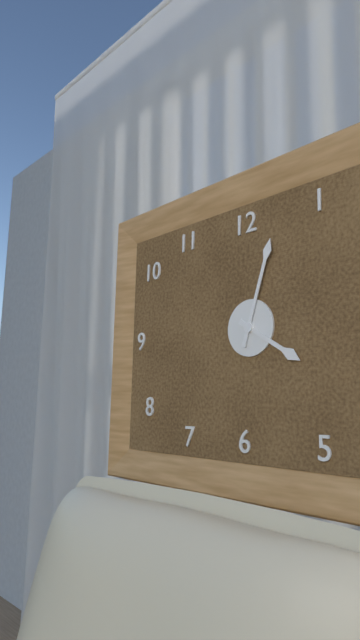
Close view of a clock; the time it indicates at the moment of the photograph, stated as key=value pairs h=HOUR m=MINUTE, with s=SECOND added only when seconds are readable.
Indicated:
h=4 m=3
